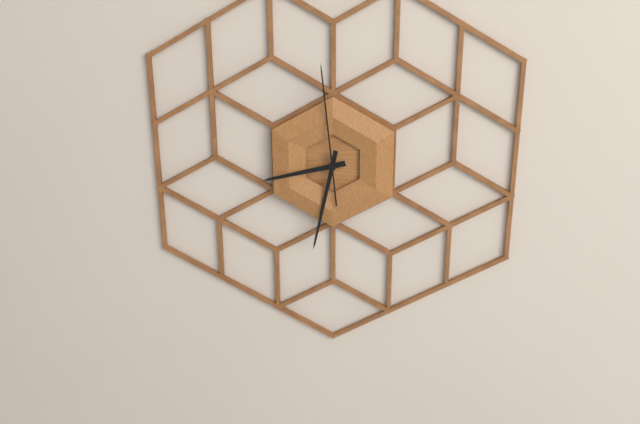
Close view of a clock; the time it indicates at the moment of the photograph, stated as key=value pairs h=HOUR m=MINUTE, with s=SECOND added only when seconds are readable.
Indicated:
h=8 m=32 s=59
